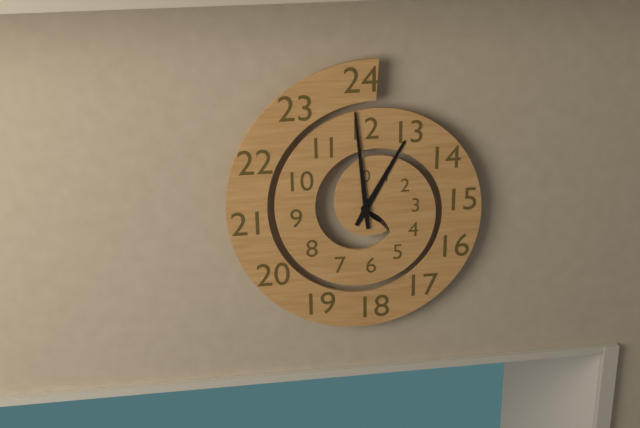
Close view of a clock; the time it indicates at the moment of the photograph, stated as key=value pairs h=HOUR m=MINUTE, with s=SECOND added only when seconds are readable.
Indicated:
h=12 m=59
